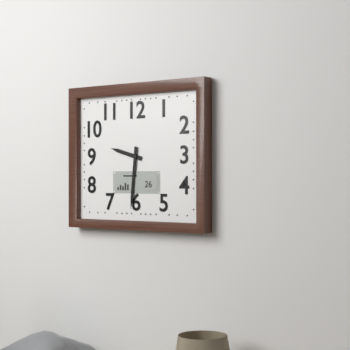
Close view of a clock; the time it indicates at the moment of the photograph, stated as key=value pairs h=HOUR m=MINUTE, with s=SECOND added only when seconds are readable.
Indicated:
h=9 m=31
